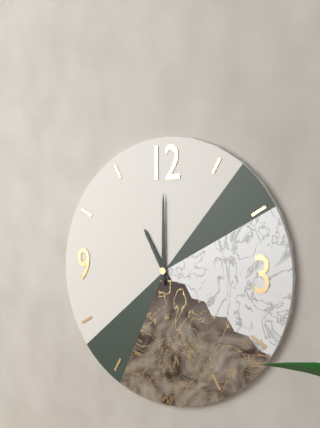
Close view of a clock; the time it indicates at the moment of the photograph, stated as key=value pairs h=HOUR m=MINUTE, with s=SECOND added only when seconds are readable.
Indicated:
h=11 m=0
